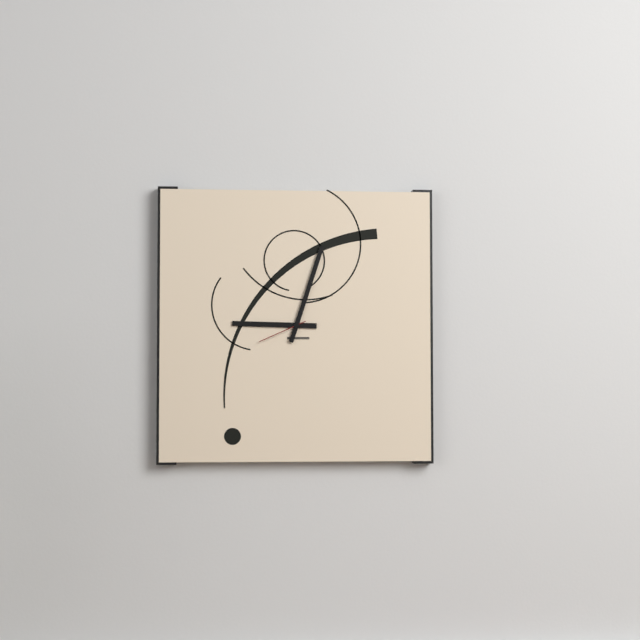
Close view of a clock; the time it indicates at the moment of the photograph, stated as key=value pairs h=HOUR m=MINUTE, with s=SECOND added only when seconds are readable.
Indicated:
h=9 m=3 s=41
